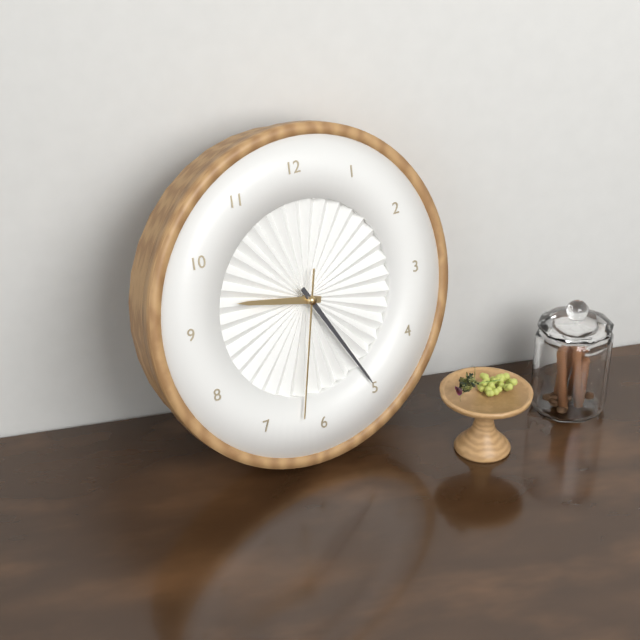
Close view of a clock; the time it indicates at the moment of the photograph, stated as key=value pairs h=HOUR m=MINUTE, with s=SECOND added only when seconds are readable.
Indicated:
h=9 m=25 s=32
